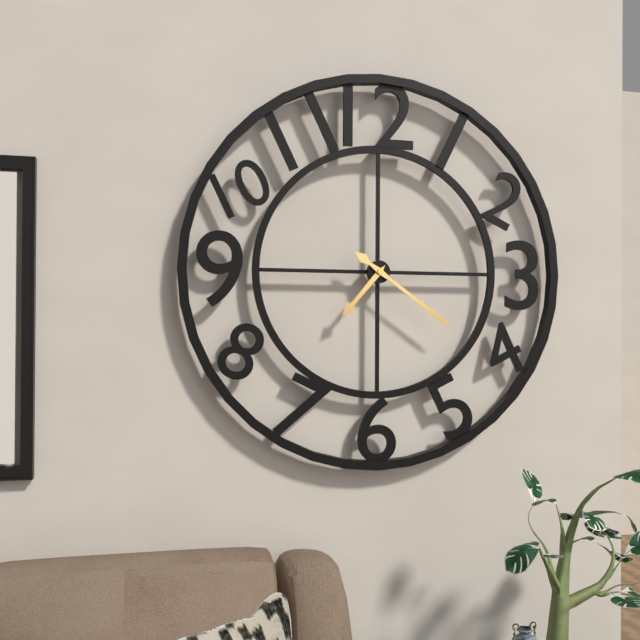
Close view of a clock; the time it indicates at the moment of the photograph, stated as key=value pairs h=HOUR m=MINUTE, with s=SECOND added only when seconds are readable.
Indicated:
h=7 m=21
